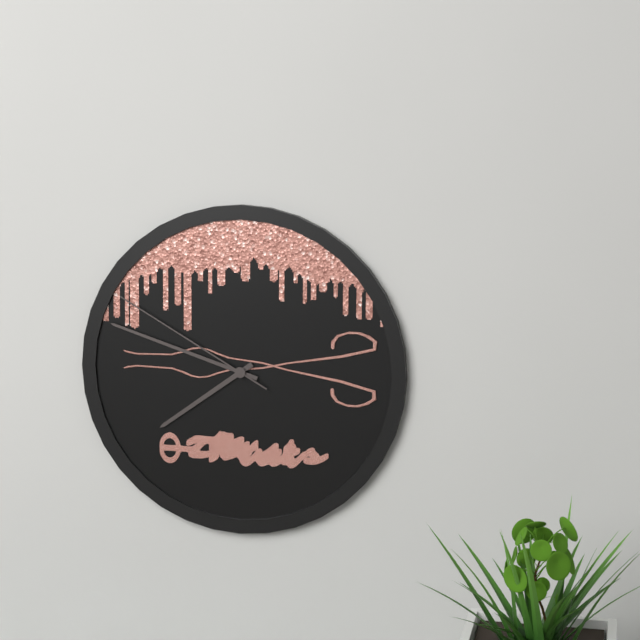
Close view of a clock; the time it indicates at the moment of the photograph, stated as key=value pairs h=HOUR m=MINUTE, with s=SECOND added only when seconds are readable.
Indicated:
h=7 m=48 s=50
